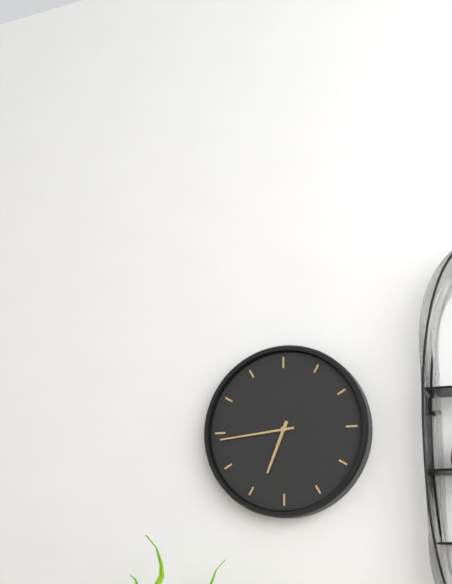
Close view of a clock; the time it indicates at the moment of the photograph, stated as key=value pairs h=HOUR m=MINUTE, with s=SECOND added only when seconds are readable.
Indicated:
h=6 m=44
